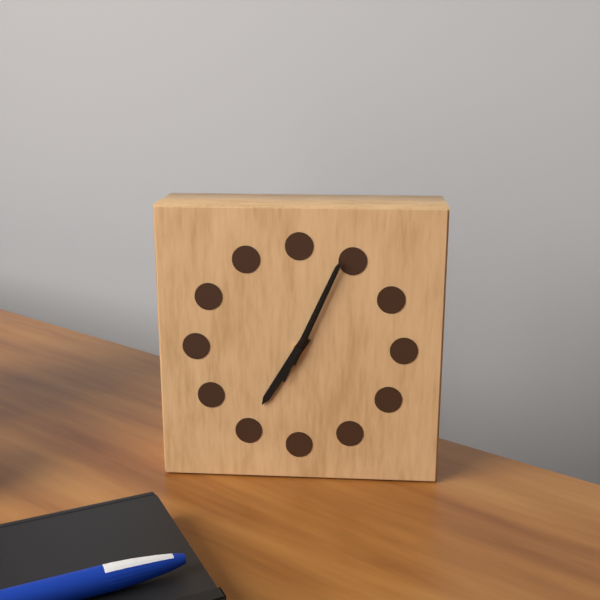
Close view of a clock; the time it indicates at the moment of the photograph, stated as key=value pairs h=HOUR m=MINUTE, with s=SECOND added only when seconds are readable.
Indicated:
h=7 m=4 s=4
